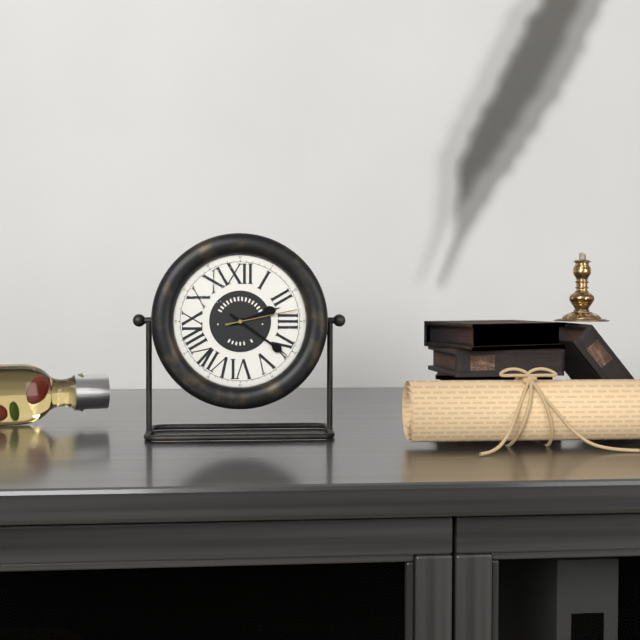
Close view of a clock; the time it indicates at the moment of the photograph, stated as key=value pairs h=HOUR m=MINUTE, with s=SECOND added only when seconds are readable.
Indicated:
h=2 m=21 s=13
